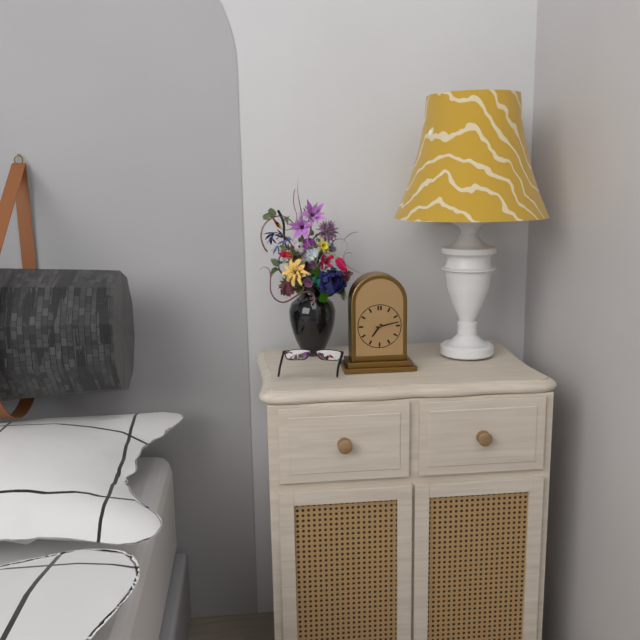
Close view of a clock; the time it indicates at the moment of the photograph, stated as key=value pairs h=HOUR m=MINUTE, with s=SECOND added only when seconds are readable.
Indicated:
h=7 m=13
